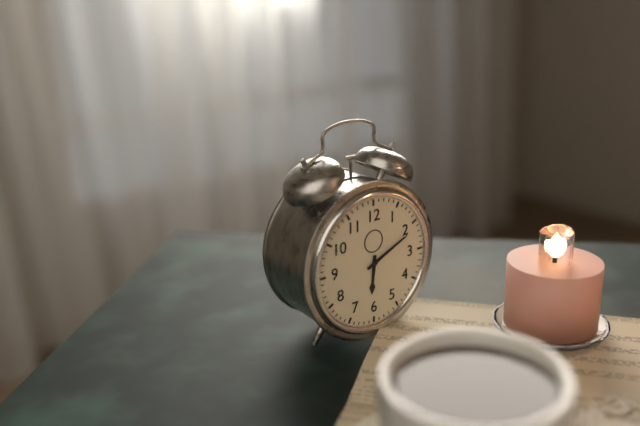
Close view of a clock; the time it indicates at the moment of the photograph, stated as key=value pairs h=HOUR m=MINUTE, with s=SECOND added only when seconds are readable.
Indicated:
h=6 m=11
